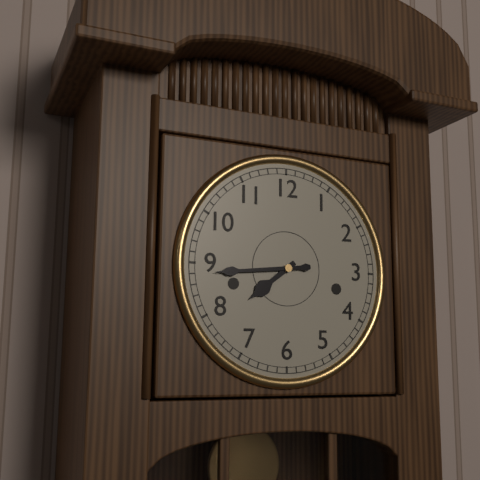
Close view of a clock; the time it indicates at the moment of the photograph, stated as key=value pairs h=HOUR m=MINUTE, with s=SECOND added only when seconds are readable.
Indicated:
h=7 m=44
